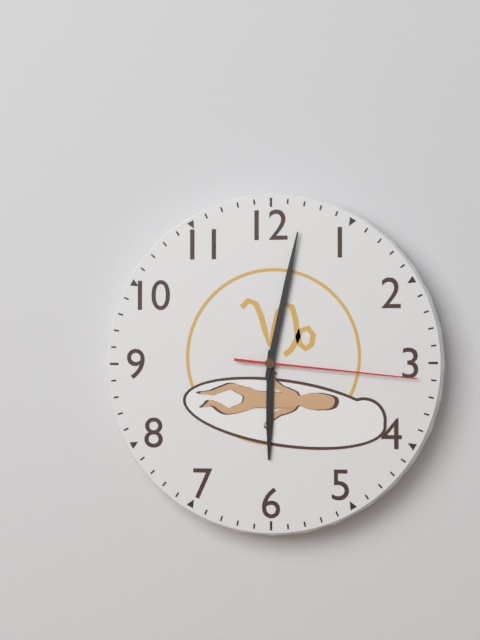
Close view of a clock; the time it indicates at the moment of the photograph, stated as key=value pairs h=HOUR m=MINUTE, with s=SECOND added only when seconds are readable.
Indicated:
h=6 m=2 s=16
